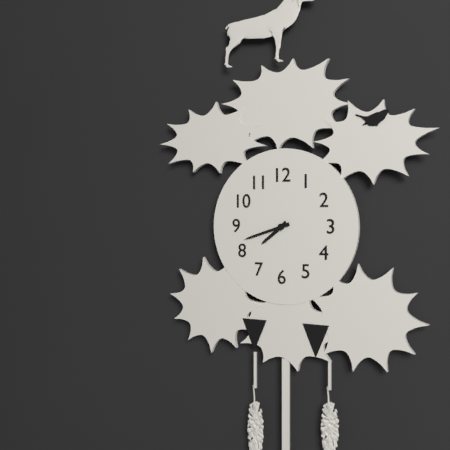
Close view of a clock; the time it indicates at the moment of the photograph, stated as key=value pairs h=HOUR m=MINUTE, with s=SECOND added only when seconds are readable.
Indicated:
h=7 m=42
